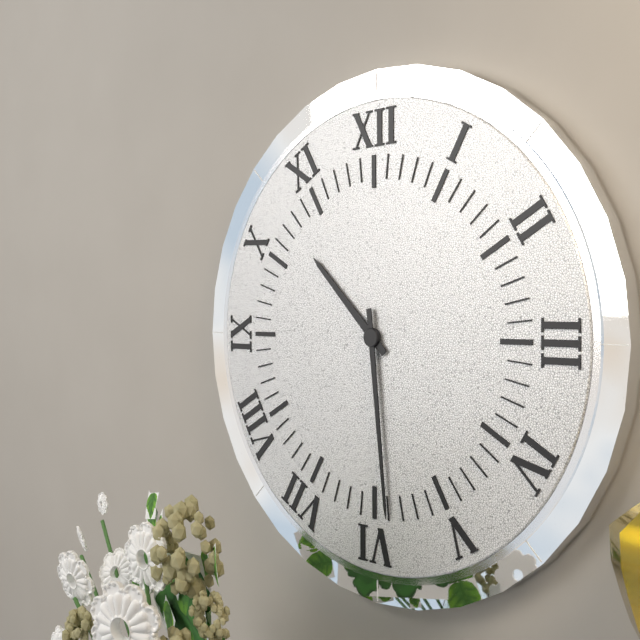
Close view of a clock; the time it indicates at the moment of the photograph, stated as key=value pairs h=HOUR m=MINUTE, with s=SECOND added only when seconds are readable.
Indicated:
h=10 m=29
